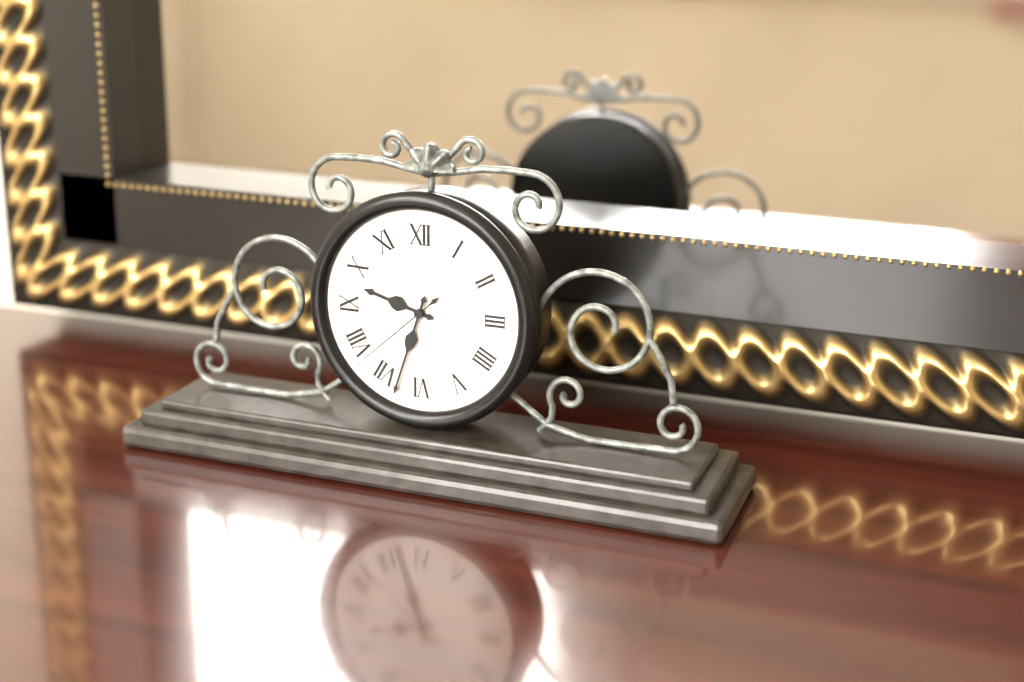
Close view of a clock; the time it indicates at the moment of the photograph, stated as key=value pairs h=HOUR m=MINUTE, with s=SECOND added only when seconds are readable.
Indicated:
h=9 m=33 s=38
